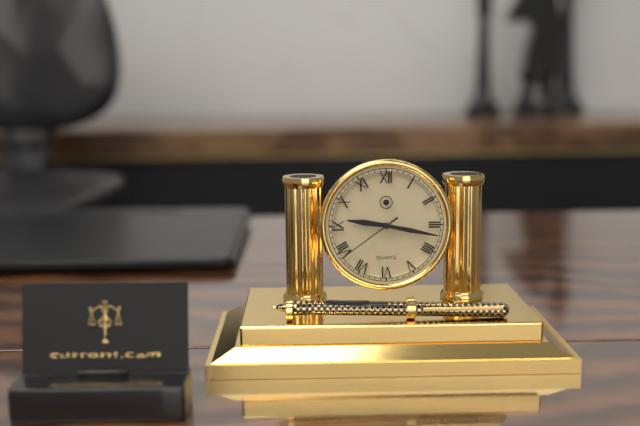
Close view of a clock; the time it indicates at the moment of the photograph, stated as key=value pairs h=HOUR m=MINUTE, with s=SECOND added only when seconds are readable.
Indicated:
h=9 m=17 s=39
